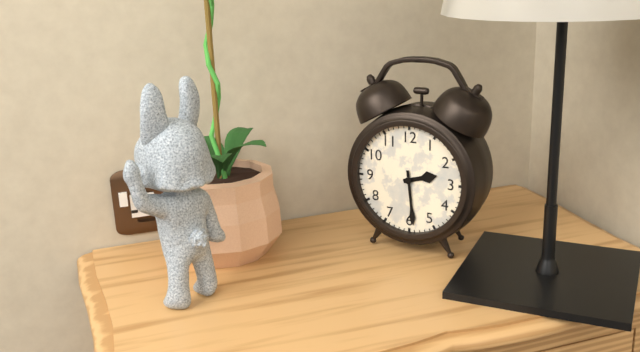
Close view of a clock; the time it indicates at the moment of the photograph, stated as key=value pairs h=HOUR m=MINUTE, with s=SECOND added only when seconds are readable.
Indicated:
h=2 m=29
